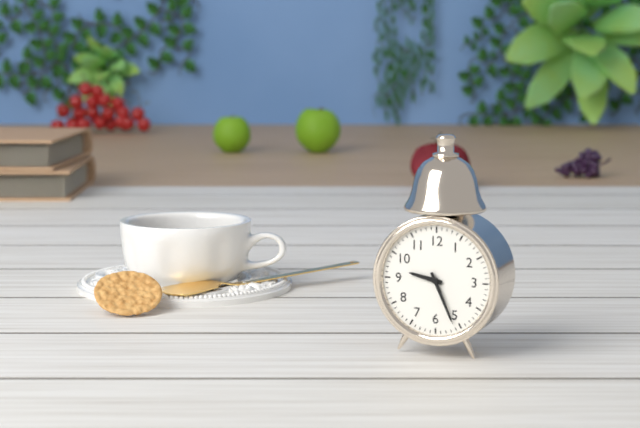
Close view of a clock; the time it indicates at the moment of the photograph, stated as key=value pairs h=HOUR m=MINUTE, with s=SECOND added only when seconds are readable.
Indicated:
h=9 m=26
